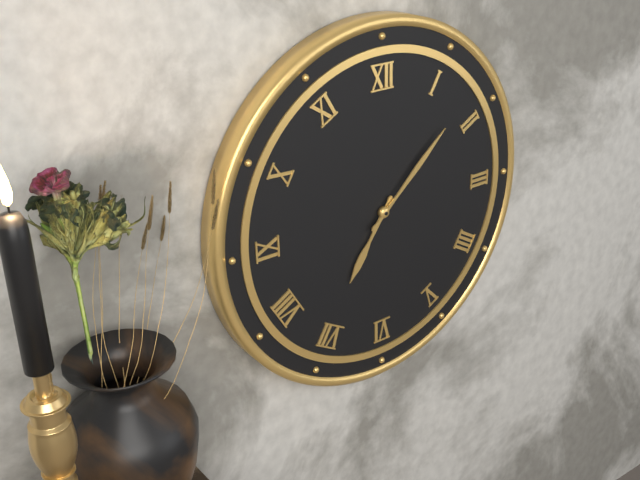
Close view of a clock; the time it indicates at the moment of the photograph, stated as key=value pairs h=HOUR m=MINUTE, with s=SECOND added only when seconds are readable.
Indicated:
h=7 m=8
